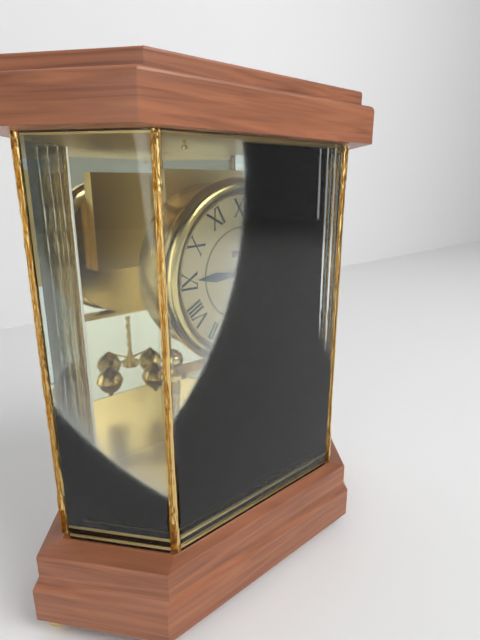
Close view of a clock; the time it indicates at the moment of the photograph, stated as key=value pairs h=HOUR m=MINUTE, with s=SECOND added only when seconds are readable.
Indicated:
h=9 m=1
